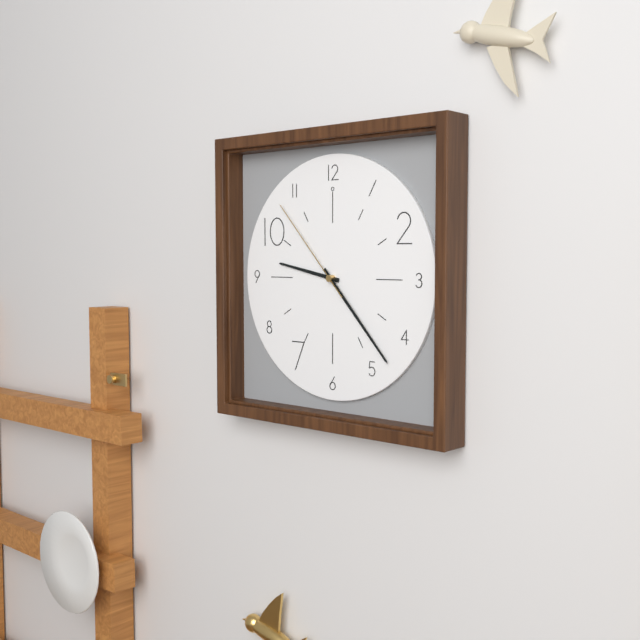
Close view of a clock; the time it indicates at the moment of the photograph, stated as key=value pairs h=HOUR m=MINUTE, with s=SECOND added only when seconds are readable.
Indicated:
h=9 m=23 s=53
